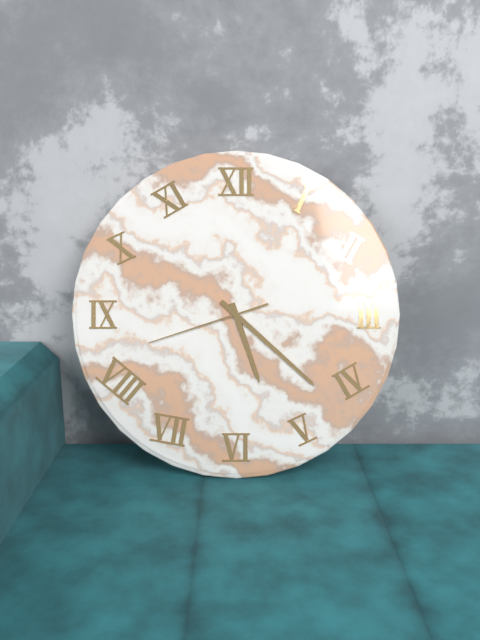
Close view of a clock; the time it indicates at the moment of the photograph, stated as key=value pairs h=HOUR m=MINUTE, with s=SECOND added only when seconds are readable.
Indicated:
h=5 m=22 s=42
